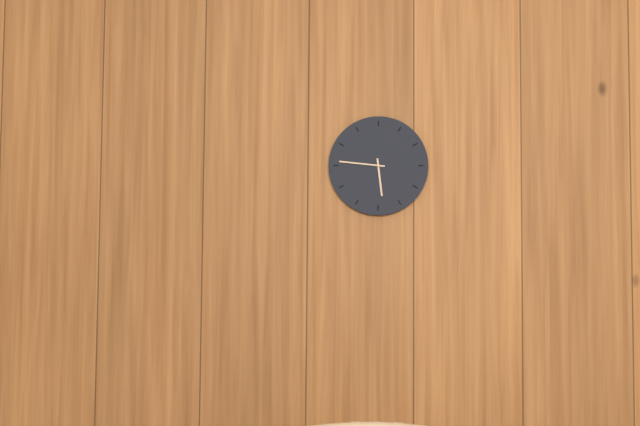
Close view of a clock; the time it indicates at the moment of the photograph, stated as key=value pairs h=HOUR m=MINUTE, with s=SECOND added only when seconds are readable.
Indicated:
h=5 m=46
